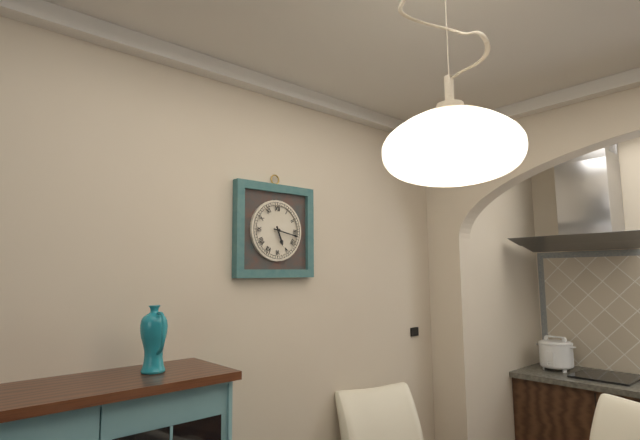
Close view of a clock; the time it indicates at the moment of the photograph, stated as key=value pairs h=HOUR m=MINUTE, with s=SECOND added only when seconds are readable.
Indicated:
h=5 m=17
